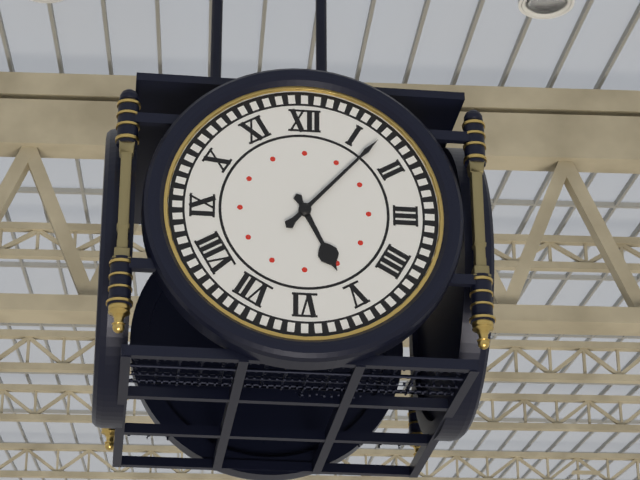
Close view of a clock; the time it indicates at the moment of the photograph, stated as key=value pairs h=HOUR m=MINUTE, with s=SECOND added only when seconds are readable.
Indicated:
h=5 m=7
